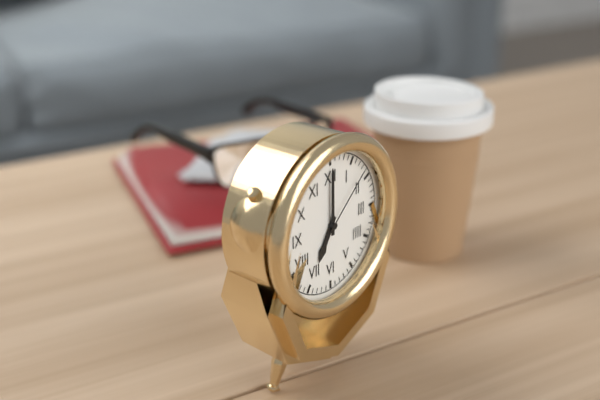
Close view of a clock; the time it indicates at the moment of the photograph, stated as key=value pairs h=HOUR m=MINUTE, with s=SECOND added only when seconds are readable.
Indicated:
h=7 m=0 s=8
